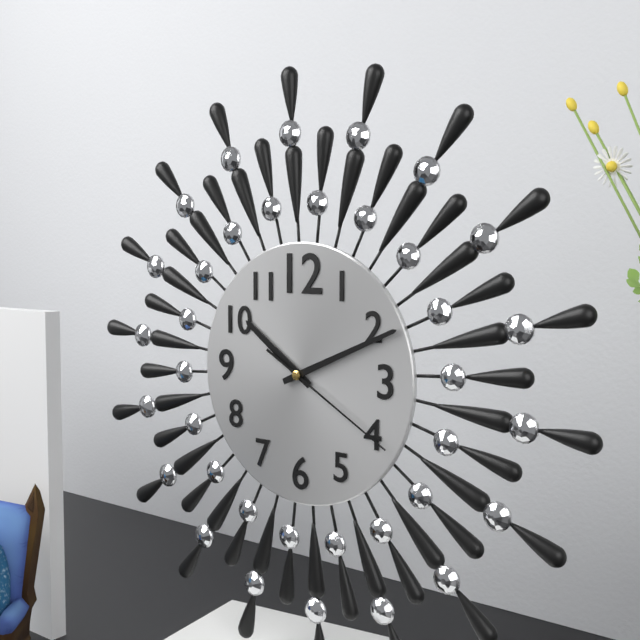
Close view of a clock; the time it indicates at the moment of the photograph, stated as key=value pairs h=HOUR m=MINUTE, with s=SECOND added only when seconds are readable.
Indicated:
h=10 m=11 s=20
